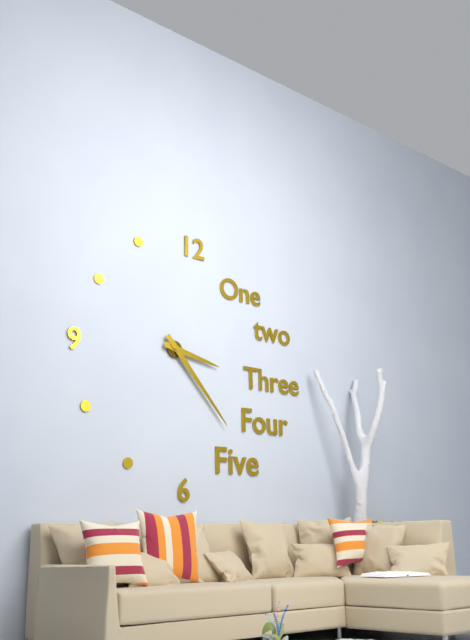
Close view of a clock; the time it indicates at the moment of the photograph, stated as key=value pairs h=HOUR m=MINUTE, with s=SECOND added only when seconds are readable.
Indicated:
h=3 m=23
